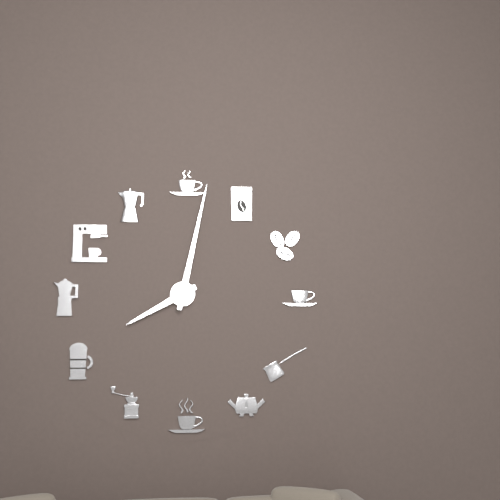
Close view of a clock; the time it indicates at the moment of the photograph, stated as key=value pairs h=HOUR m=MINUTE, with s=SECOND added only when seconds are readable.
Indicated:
h=8 m=2
